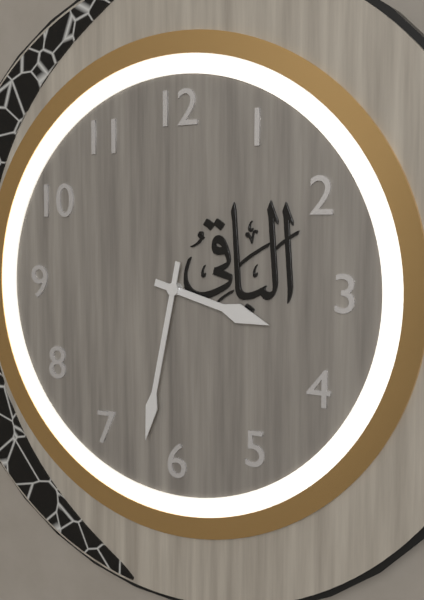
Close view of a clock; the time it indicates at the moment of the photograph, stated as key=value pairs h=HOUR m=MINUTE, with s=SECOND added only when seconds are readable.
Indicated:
h=3 m=32
